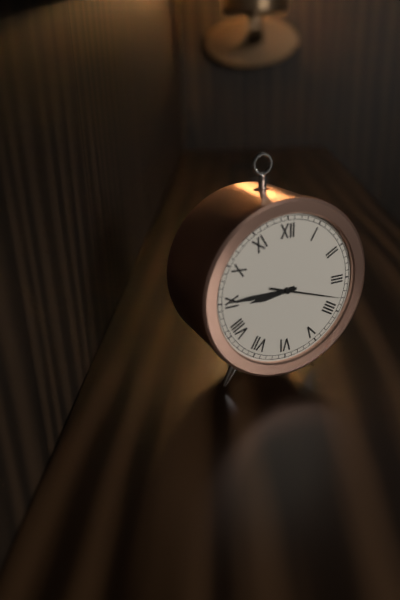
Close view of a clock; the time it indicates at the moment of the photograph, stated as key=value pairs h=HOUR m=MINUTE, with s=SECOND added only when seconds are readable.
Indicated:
h=8 m=45 s=18
